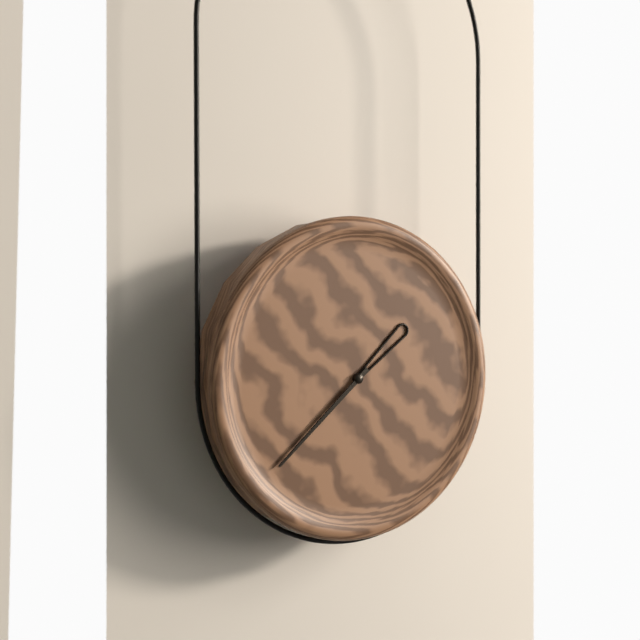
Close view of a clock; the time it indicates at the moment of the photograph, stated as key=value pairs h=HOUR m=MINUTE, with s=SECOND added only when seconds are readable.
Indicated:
h=1 m=38
